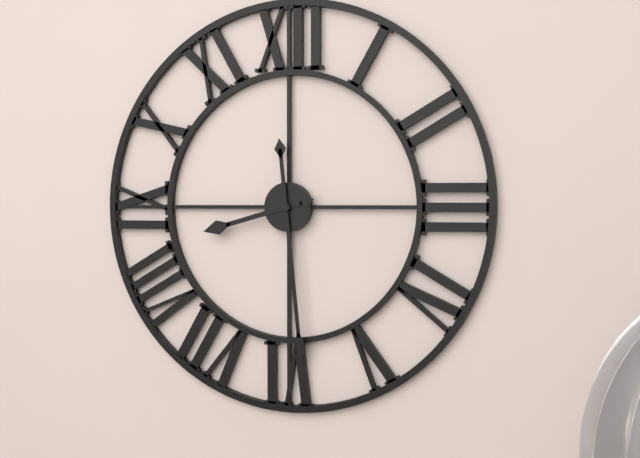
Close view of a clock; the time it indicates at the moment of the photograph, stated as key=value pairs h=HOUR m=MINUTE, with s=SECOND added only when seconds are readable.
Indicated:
h=8 m=29
